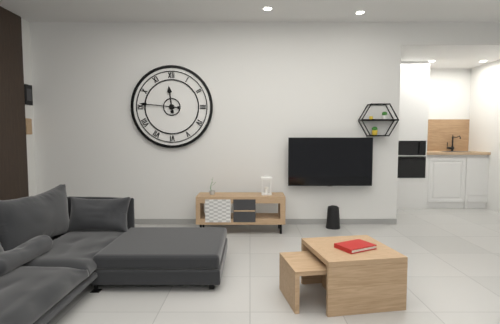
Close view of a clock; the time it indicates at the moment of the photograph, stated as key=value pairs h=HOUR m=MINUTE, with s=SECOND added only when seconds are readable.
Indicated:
h=11 m=46
